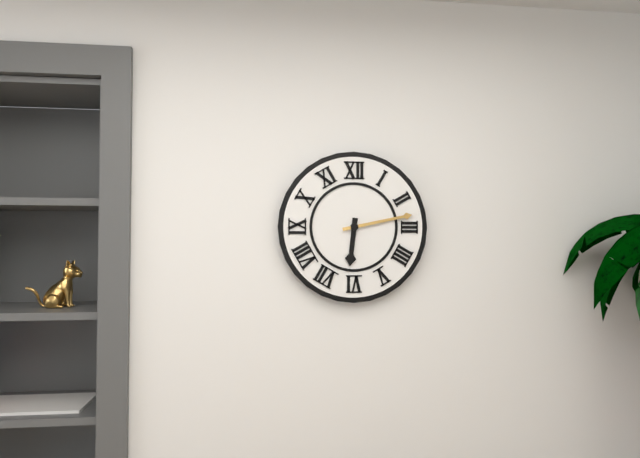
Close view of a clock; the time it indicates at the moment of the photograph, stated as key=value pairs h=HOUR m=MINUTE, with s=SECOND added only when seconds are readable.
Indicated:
h=6 m=13
